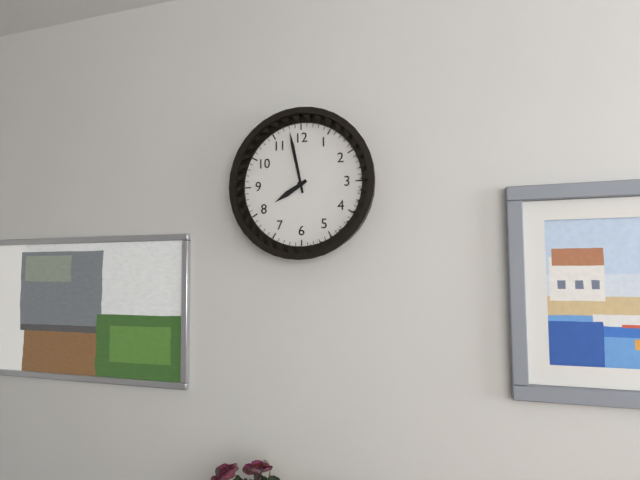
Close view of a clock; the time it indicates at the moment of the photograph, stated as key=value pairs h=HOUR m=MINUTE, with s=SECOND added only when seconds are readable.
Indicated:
h=7 m=58
